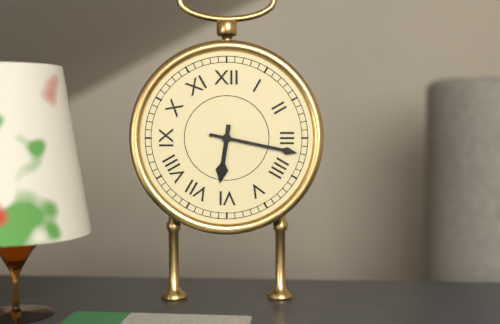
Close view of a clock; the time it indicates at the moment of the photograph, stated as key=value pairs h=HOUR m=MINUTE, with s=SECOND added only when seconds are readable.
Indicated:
h=6 m=17
